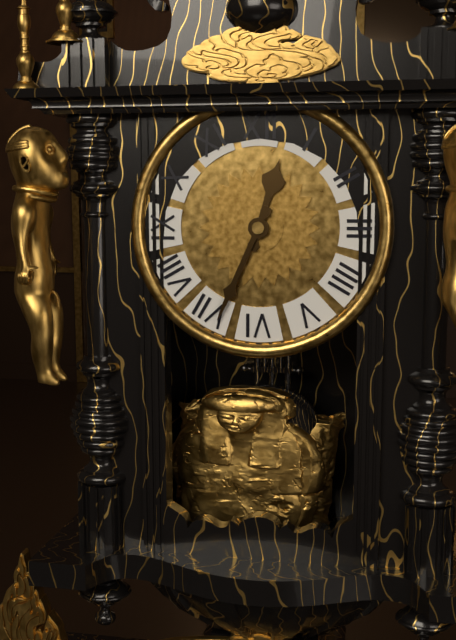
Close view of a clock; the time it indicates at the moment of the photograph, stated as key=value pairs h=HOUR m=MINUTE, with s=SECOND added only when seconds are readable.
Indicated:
h=12 m=34
